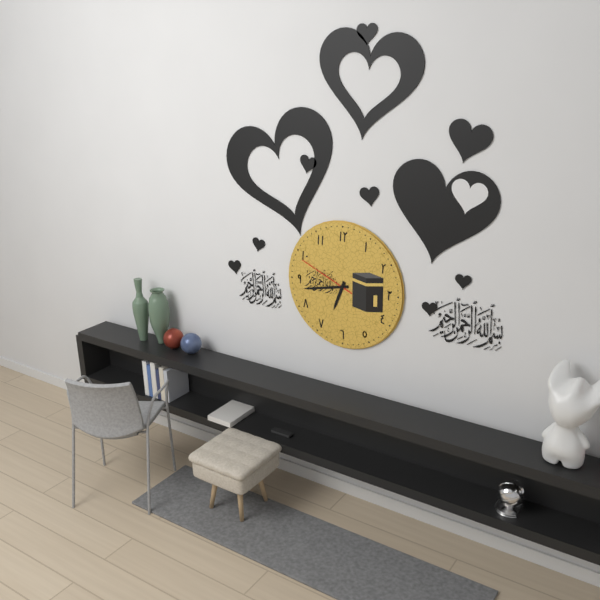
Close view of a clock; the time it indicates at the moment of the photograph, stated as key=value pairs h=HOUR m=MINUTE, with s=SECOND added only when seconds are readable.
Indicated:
h=6 m=43 s=49
